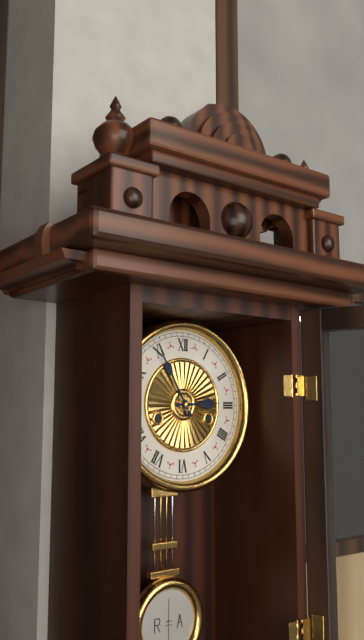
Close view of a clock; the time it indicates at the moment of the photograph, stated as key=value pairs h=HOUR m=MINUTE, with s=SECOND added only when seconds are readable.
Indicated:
h=2 m=55
